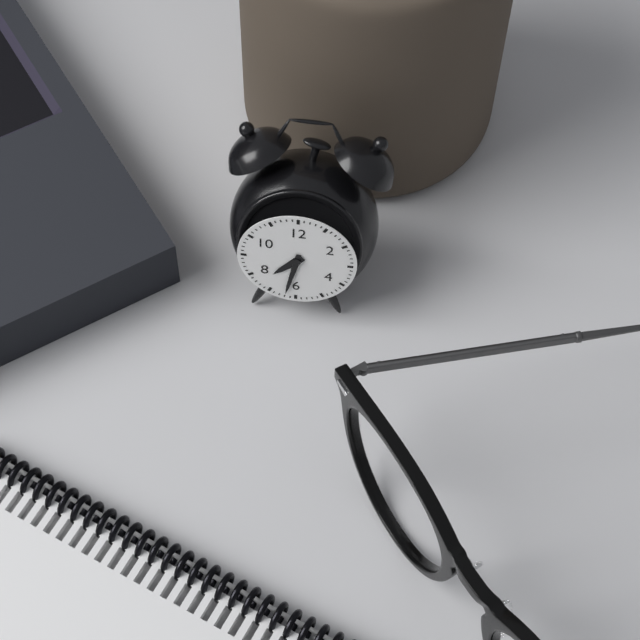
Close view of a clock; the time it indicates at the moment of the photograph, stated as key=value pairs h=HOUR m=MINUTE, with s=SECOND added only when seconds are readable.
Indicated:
h=7 m=32
